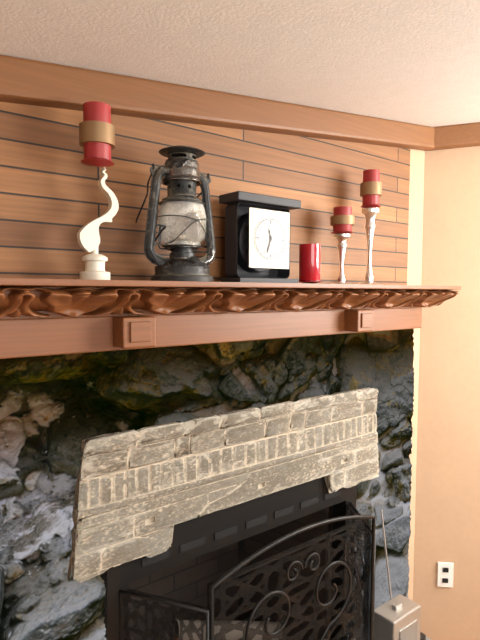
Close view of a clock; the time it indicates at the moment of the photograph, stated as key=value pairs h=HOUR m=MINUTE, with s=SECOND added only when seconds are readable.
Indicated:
h=11 m=33
